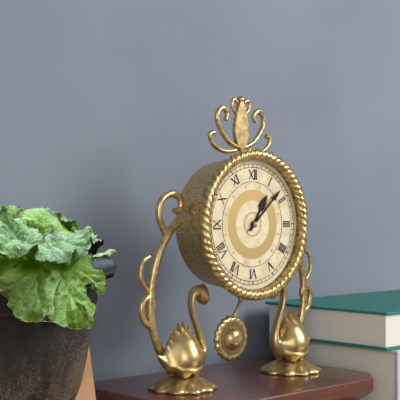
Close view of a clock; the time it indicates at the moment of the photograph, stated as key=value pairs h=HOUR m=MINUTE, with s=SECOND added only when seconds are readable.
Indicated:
h=1 m=8
